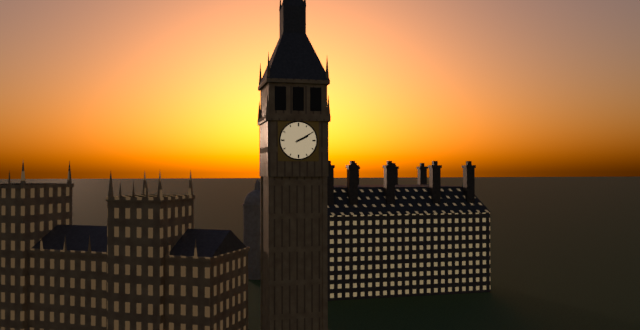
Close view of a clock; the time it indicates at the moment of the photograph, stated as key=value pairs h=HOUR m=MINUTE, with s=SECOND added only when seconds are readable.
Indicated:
h=2 m=10
